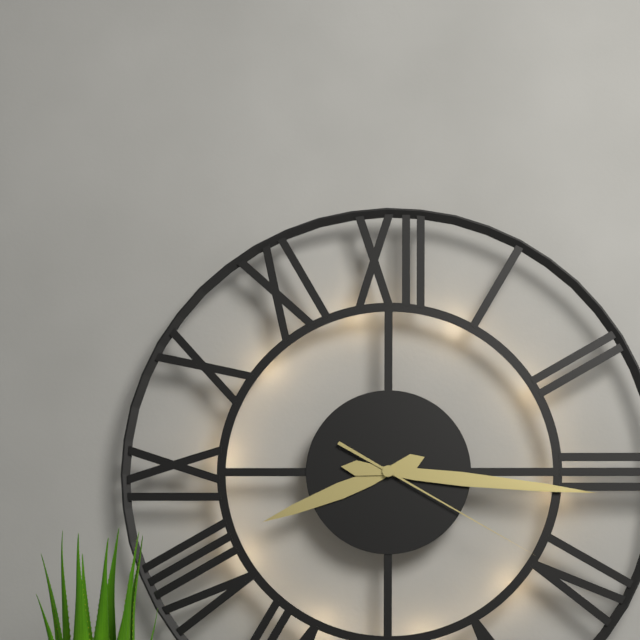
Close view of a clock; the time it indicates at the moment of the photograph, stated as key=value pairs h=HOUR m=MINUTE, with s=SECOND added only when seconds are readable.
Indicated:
h=8 m=16 s=20
